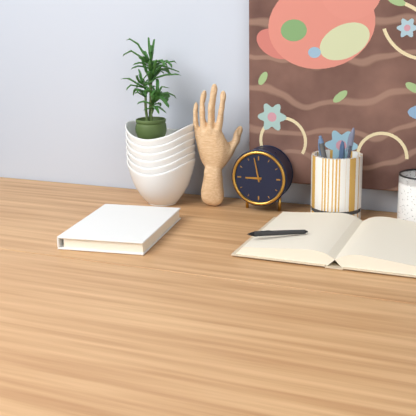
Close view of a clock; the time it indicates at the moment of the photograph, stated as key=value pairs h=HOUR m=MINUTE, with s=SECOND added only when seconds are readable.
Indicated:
h=8 m=58
